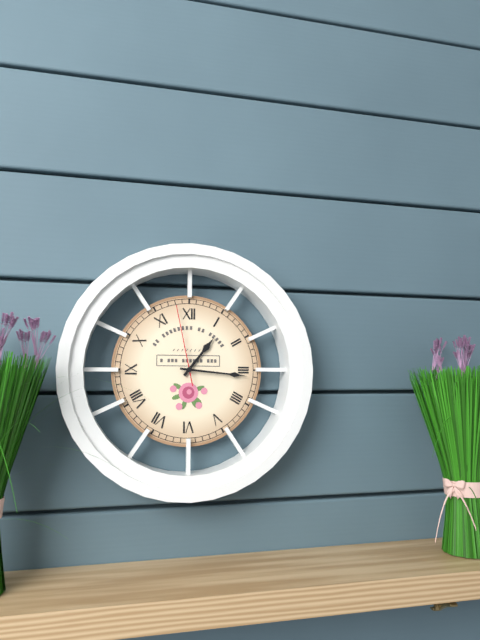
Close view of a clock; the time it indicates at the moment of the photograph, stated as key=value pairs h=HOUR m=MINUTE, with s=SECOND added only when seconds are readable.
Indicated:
h=1 m=16 s=58
